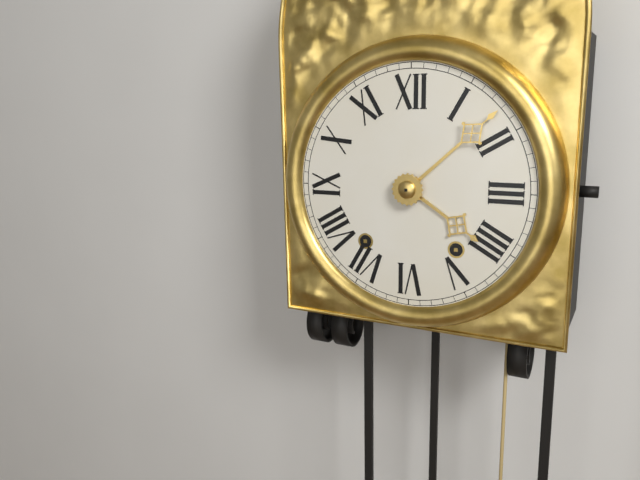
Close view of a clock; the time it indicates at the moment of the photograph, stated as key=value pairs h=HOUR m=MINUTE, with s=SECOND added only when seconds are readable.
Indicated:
h=4 m=8
